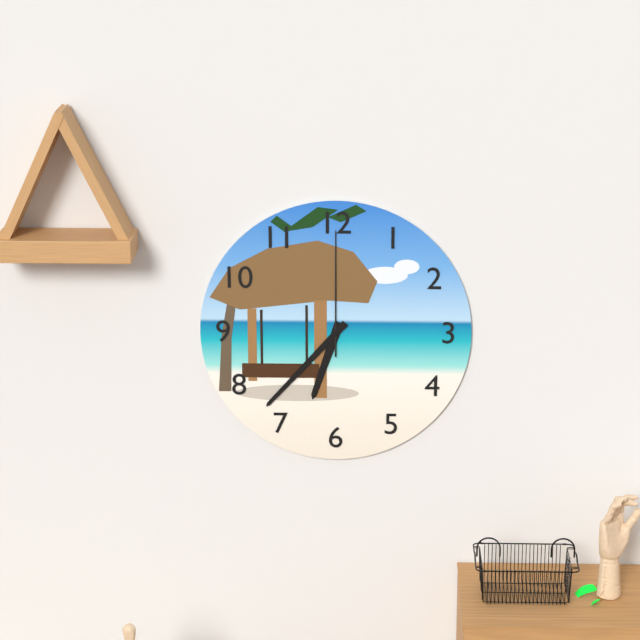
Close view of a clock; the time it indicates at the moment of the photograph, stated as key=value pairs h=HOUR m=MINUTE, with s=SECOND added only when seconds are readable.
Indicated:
h=6 m=37 s=0
